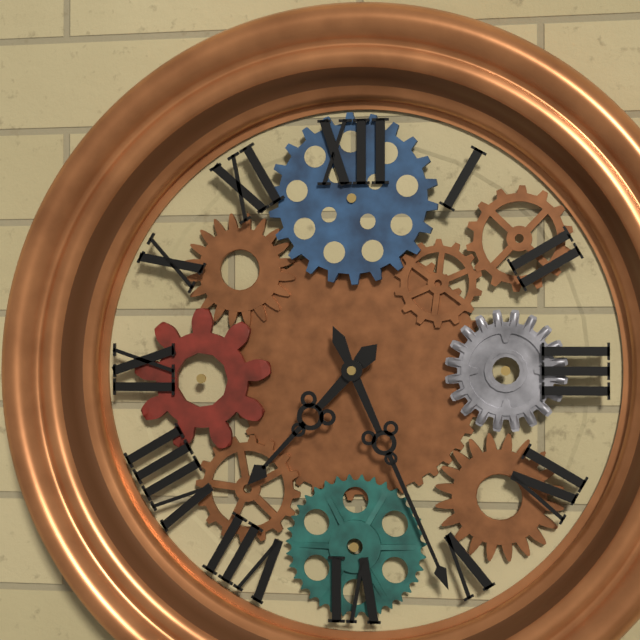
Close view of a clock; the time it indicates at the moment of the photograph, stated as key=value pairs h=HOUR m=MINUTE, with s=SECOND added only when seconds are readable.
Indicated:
h=7 m=26
